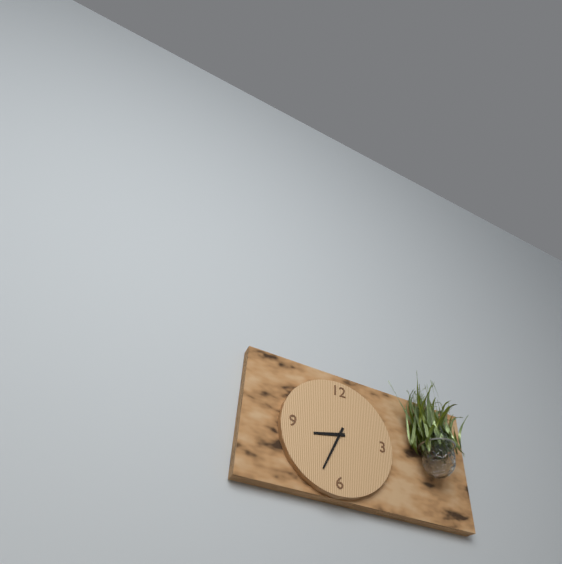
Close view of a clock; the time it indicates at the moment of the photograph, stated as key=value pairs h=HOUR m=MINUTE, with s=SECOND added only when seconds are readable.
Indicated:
h=8 m=34
